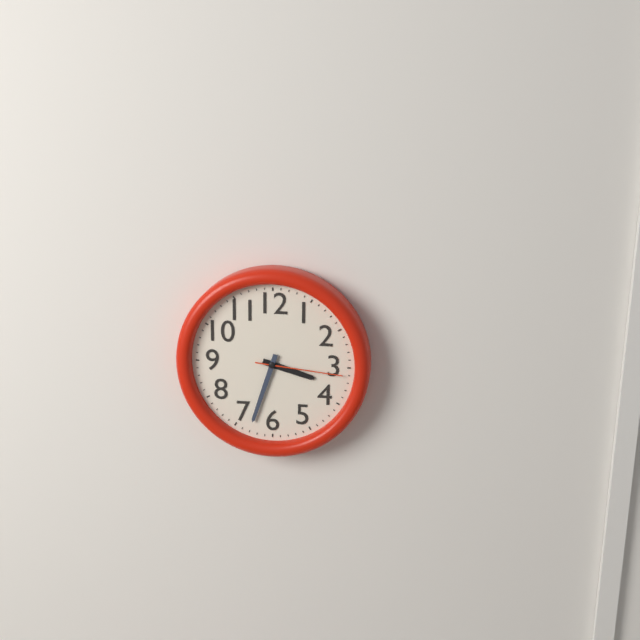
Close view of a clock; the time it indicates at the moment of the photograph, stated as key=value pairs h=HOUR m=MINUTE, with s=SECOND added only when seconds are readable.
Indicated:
h=3 m=33 s=16
